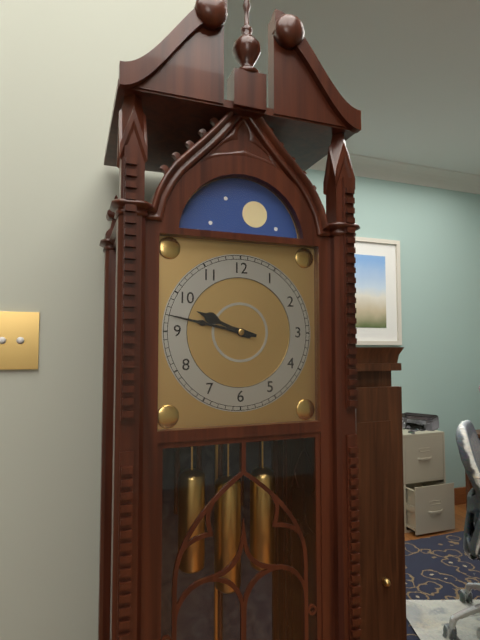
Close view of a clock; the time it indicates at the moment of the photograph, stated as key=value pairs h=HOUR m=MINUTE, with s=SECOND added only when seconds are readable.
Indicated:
h=9 m=47
